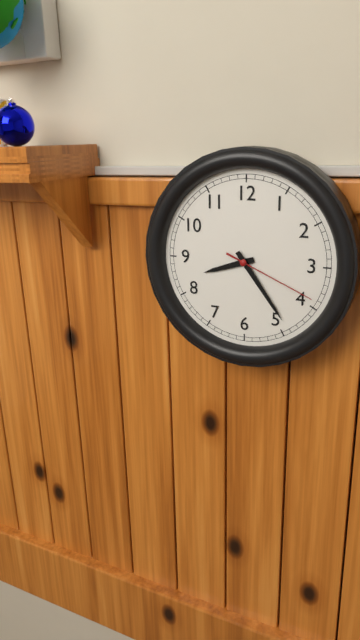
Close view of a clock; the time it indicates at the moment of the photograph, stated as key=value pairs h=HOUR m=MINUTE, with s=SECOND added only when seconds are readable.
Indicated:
h=8 m=24 s=19
